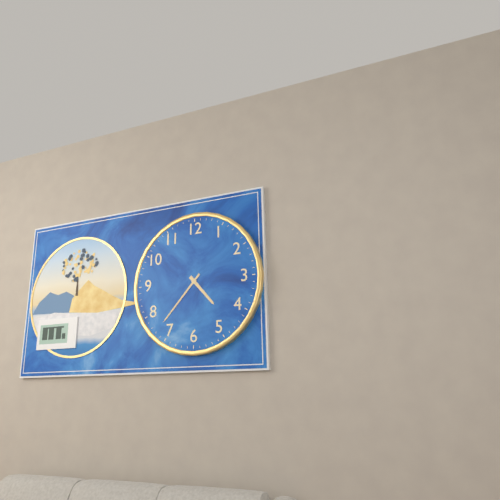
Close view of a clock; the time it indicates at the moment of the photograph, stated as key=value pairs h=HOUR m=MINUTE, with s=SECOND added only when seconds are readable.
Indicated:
h=4 m=37
